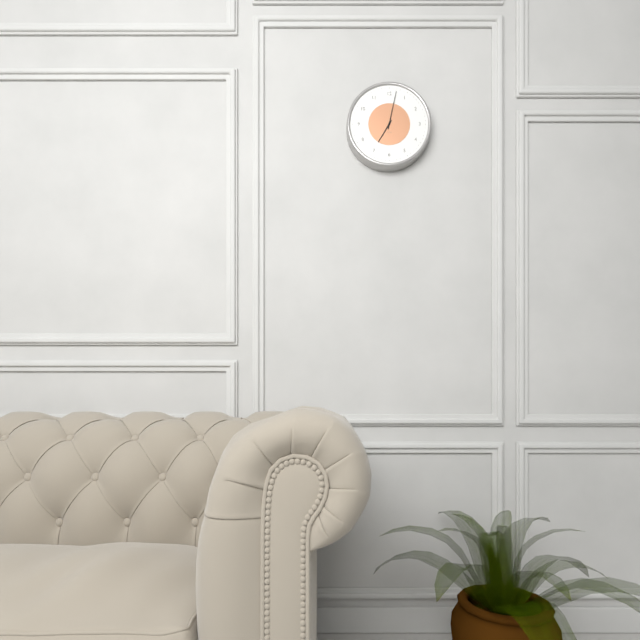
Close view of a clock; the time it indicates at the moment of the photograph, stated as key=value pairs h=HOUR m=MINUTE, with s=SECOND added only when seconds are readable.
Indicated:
h=7 m=2
